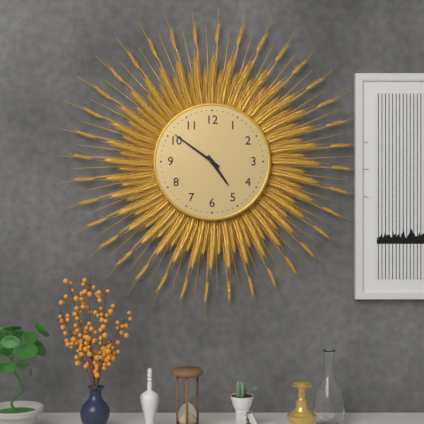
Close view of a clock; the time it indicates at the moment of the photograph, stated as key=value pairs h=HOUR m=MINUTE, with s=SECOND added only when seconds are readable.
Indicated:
h=4 m=51
